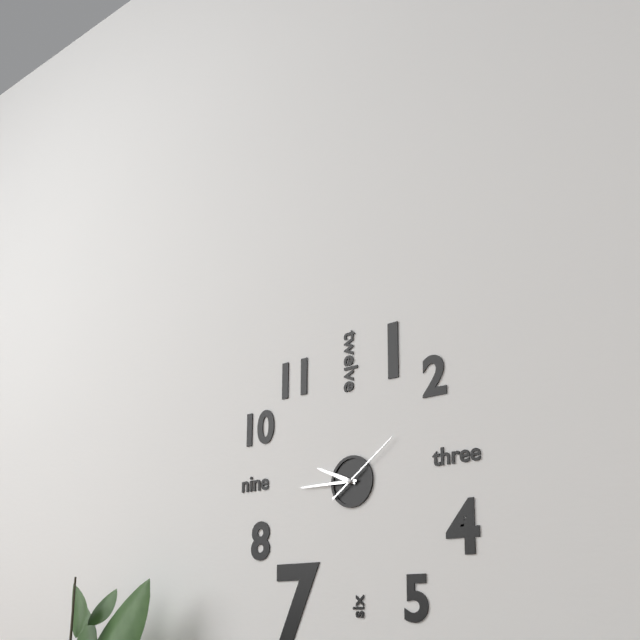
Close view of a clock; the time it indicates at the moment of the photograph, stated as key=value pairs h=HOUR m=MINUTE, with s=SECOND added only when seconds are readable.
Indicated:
h=9 m=45 s=9
